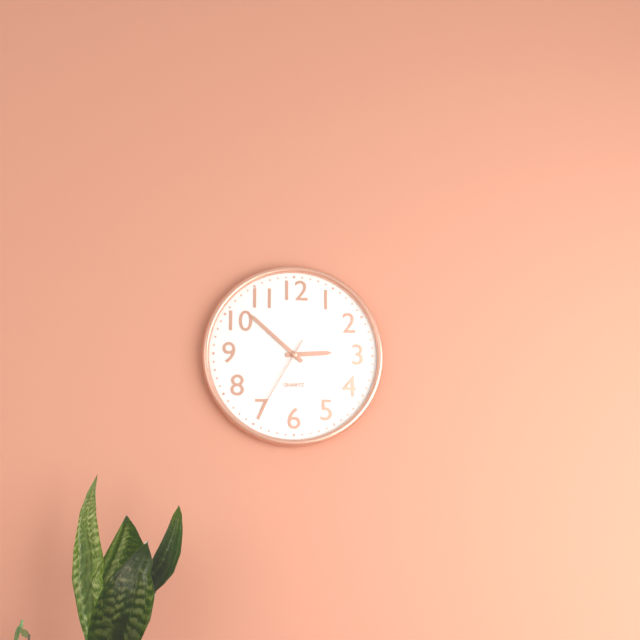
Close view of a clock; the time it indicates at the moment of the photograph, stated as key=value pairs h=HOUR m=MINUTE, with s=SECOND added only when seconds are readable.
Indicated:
h=2 m=52 s=35
